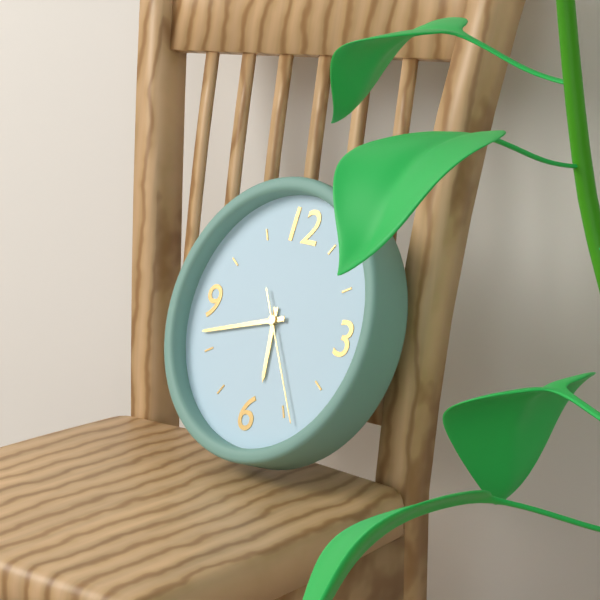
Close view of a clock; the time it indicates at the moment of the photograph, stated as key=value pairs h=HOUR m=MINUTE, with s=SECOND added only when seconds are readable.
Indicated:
h=5 m=42 s=24
